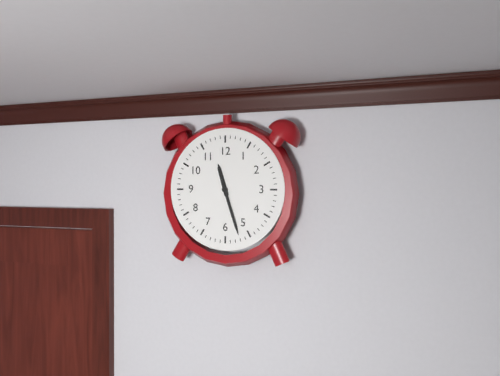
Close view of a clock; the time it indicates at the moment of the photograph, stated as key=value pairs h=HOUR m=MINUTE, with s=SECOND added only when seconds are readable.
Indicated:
h=11 m=27
